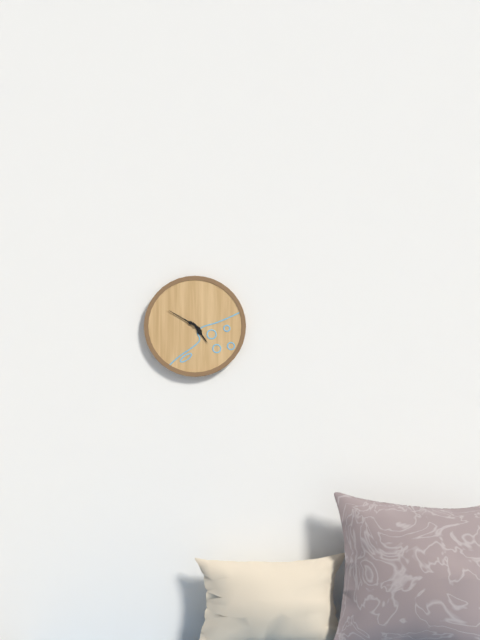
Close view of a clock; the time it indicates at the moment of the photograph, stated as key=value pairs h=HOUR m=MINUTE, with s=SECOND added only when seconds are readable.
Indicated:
h=4 m=50
